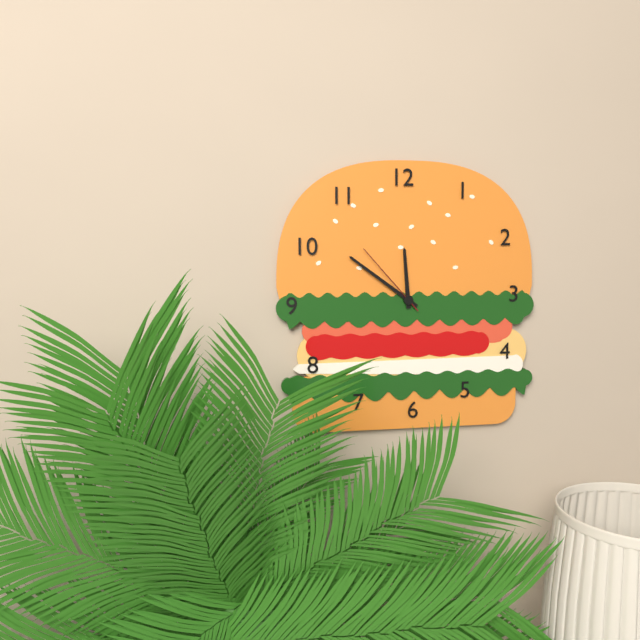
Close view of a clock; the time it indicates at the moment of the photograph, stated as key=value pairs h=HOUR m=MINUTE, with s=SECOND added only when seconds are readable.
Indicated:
h=11 m=51 s=53
